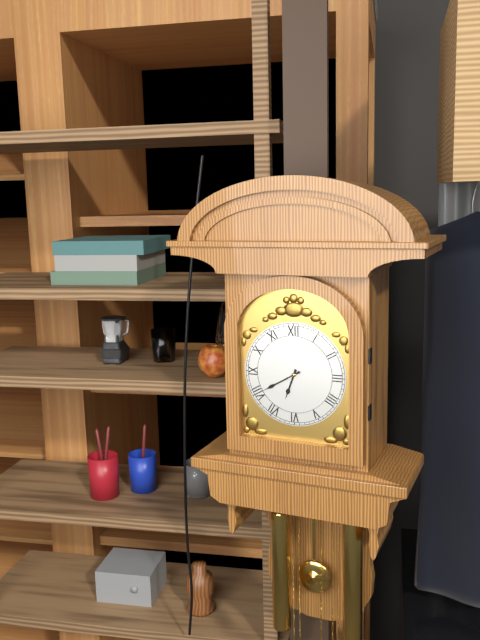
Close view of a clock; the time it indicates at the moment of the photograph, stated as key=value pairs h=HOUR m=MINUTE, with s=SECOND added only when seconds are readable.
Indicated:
h=6 m=40
